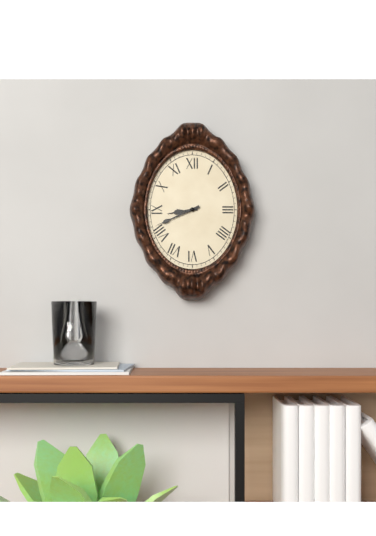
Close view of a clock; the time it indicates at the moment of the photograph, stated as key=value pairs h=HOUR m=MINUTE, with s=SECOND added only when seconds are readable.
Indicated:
h=8 m=41
